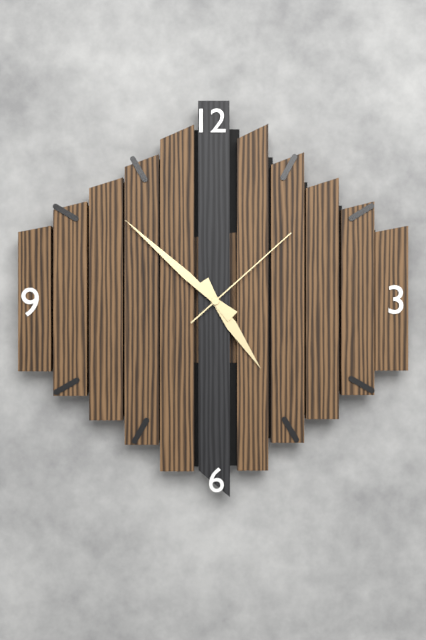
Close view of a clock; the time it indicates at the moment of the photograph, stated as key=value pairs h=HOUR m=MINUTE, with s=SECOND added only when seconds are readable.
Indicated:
h=4 m=52 s=8
